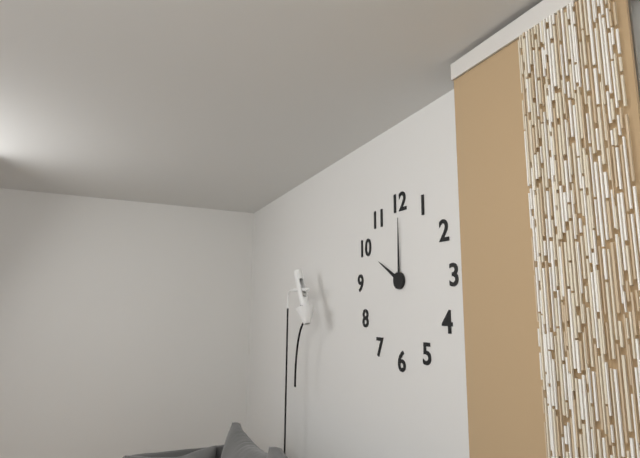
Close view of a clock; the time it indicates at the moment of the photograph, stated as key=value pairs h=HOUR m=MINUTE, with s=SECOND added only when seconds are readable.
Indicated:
h=10 m=0
